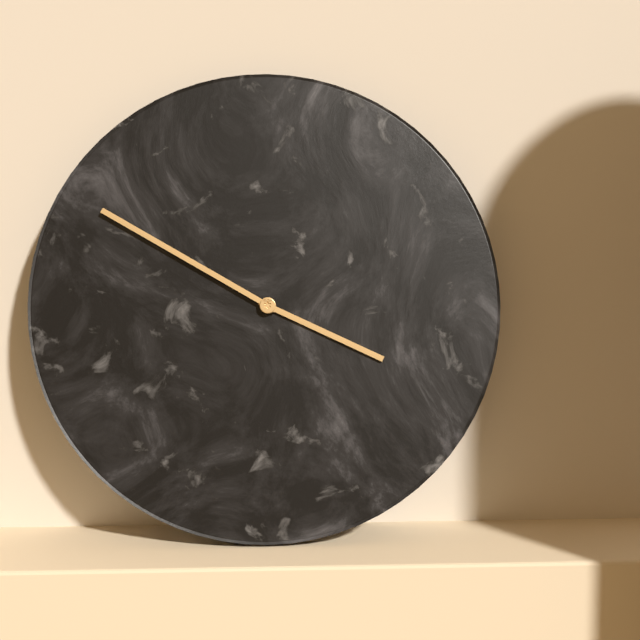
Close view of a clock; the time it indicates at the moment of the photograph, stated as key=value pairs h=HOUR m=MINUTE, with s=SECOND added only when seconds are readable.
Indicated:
h=3 m=50
